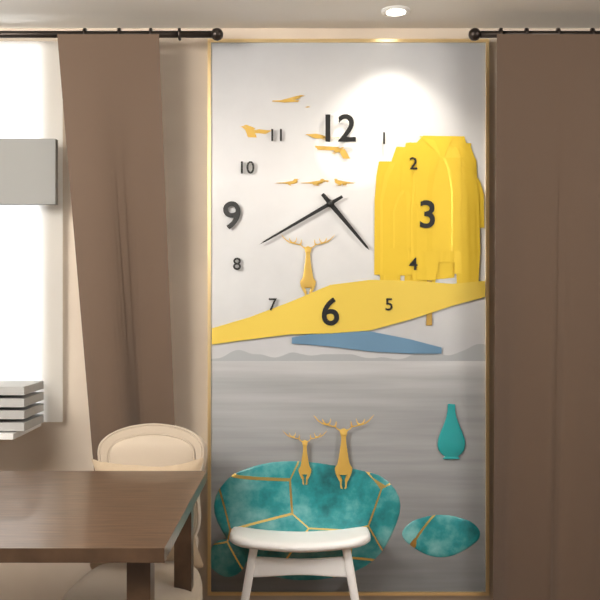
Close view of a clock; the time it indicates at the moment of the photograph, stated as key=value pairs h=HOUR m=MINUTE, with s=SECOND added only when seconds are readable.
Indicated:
h=4 m=40
